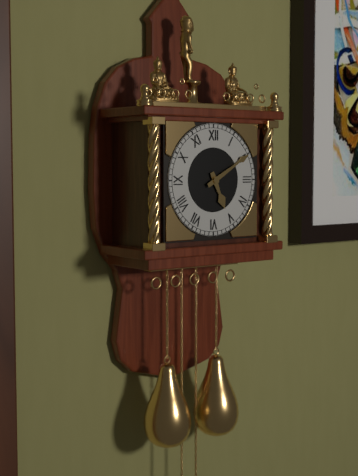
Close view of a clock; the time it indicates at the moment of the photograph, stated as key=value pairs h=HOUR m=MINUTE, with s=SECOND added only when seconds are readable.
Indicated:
h=5 m=10
